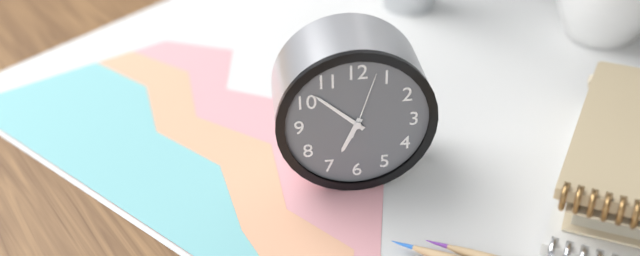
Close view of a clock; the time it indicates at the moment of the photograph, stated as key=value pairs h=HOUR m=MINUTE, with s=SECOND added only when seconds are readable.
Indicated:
h=6 m=52 s=3
